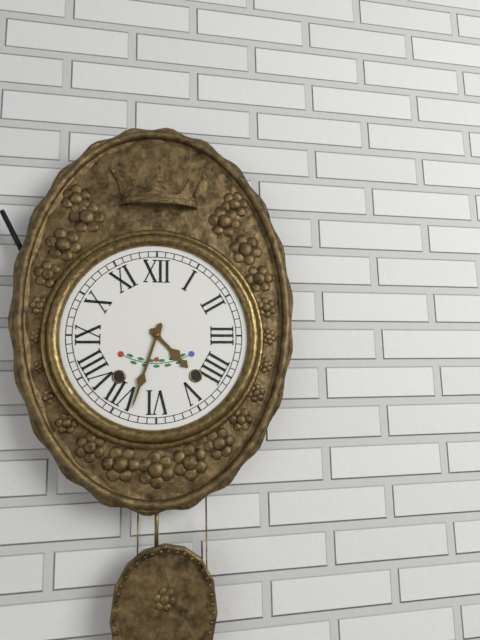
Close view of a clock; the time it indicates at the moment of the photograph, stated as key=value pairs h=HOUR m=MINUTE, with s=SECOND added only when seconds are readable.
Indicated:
h=4 m=33
